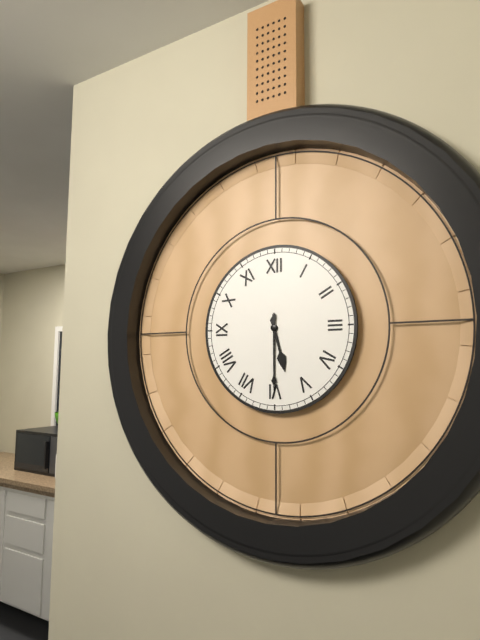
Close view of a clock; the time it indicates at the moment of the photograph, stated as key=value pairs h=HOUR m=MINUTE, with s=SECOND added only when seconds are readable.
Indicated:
h=5 m=30
